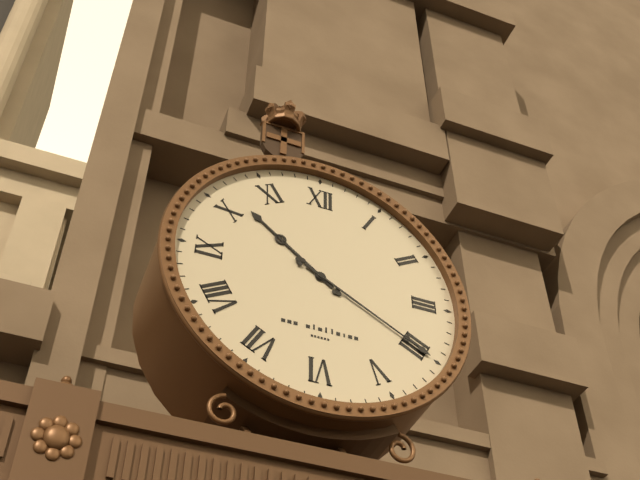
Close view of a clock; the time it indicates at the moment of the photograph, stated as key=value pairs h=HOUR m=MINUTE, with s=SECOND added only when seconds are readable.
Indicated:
h=10 m=20
